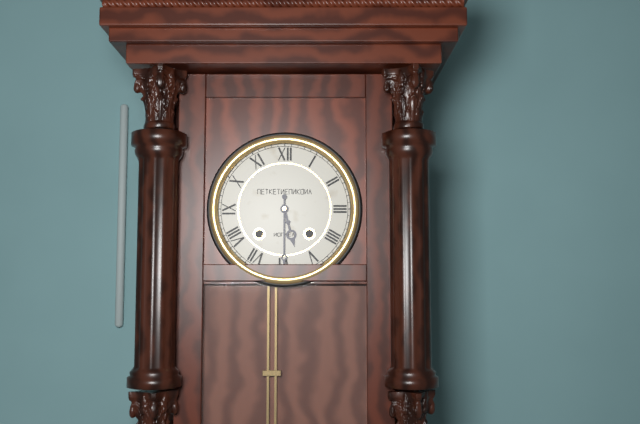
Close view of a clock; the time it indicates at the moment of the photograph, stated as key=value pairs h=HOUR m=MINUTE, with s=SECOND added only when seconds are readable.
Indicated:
h=5 m=30
